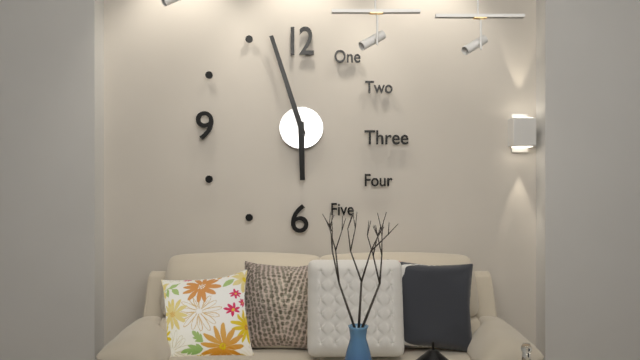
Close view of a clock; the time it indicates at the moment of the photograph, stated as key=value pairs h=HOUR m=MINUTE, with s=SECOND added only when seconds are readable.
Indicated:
h=5 m=57
